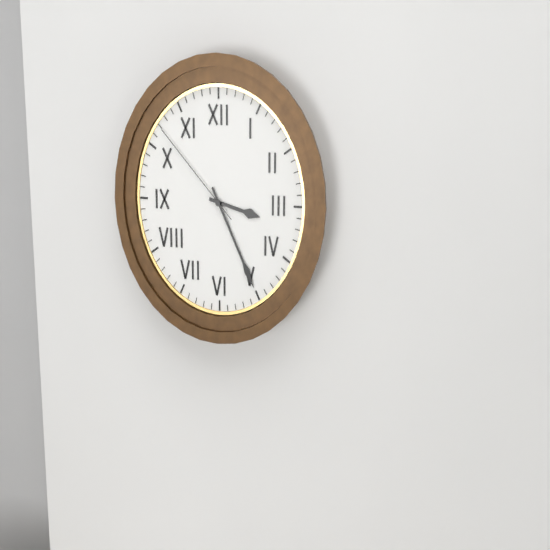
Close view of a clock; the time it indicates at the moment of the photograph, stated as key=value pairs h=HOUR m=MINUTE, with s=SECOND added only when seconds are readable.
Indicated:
h=3 m=25 s=52
